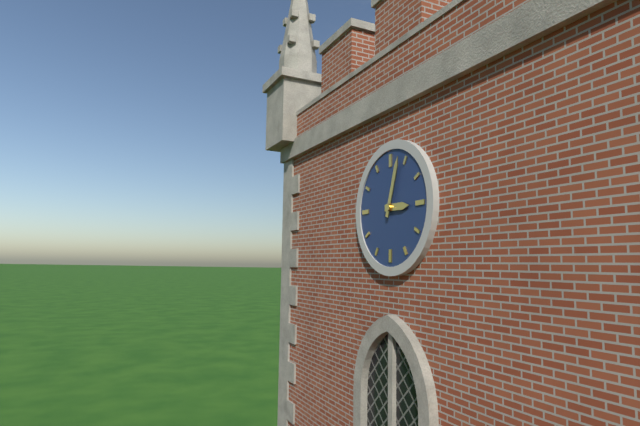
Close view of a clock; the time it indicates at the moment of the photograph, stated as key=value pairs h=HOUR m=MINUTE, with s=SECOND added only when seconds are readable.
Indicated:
h=3 m=3
